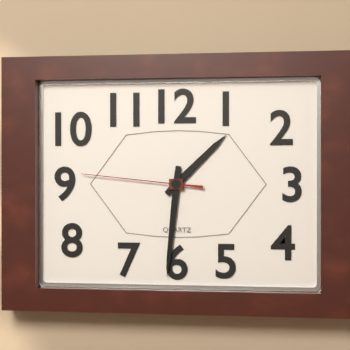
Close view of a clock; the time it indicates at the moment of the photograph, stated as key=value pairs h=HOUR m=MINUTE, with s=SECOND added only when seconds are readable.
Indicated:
h=1 m=31 s=46
